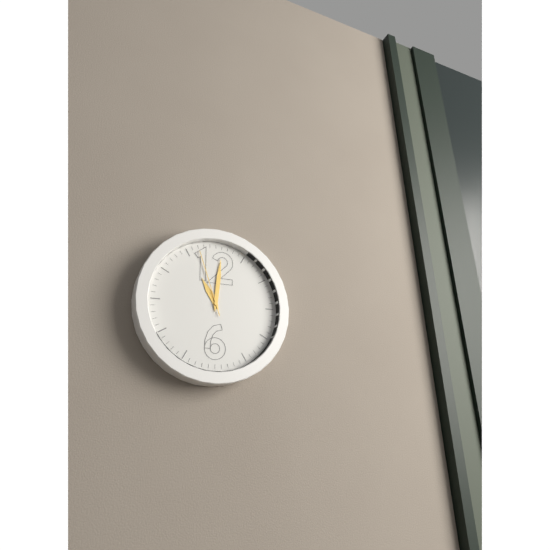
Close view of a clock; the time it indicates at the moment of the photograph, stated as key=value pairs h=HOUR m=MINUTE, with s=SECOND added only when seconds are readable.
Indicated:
h=11 m=1 s=57
